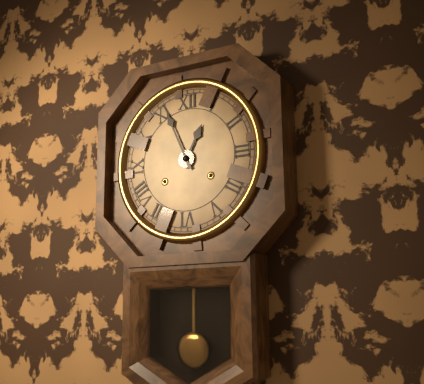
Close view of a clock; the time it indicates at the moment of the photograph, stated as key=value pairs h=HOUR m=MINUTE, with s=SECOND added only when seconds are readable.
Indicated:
h=12 m=56
